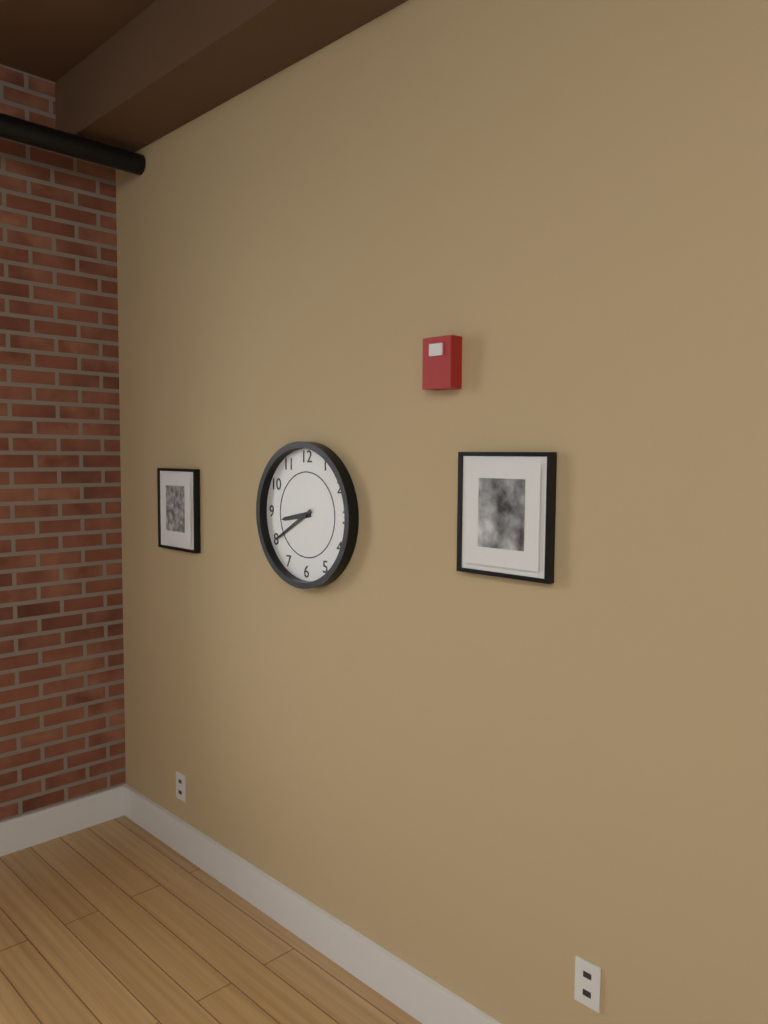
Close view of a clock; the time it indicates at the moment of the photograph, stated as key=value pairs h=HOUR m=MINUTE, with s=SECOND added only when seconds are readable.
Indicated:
h=8 m=40
